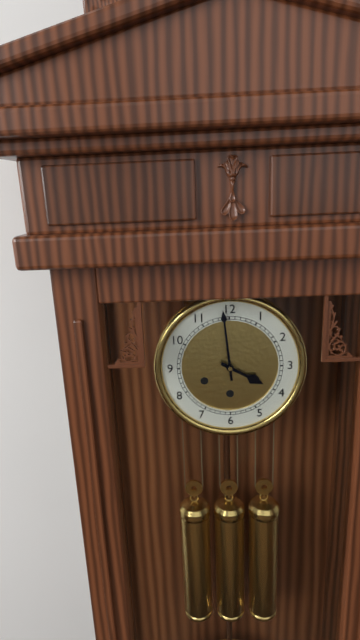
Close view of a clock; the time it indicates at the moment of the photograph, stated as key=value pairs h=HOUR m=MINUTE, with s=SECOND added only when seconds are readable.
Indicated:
h=3 m=59
